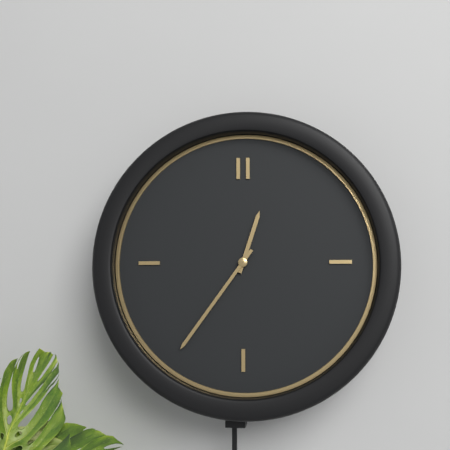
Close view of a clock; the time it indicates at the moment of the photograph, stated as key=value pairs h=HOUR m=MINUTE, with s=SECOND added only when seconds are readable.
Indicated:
h=12 m=36
